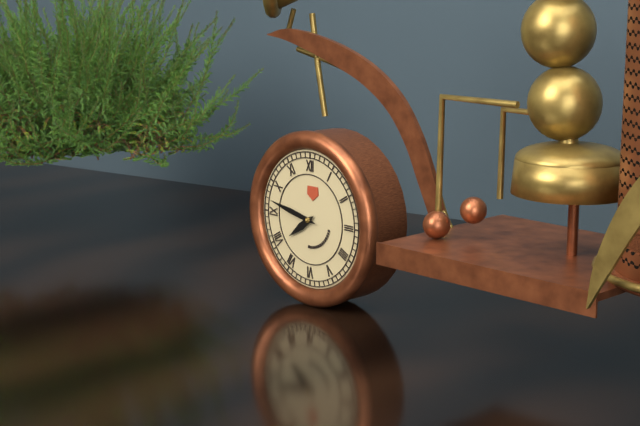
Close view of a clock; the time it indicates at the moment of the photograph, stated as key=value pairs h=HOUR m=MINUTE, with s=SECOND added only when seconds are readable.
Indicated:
h=7 m=47
